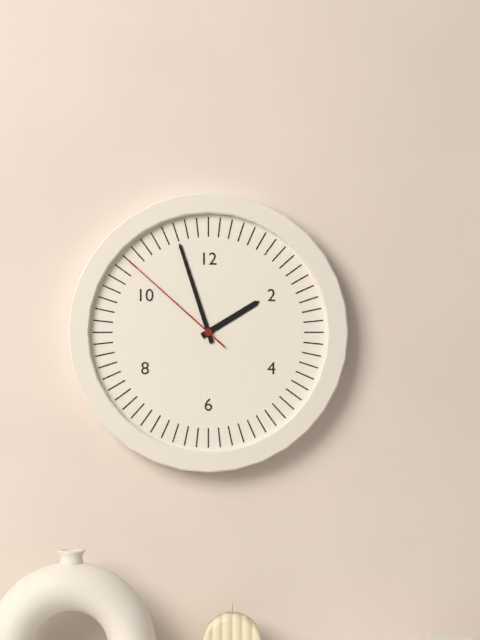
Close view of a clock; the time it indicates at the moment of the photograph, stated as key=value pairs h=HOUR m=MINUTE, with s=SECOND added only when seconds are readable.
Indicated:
h=1 m=57 s=52
